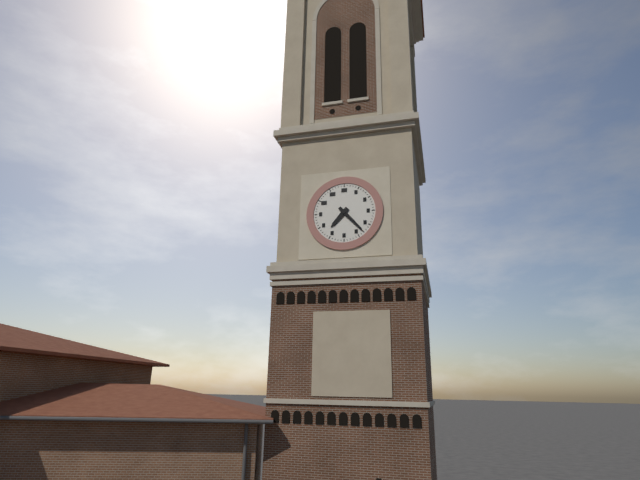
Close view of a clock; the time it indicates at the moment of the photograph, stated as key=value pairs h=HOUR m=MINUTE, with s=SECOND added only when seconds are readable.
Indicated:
h=7 m=23
